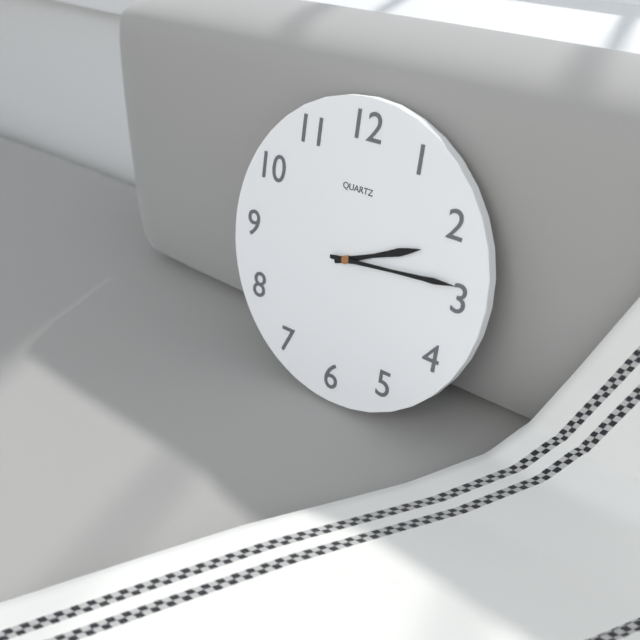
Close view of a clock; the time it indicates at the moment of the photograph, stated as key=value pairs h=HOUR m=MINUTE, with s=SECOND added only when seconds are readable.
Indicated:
h=2 m=14
